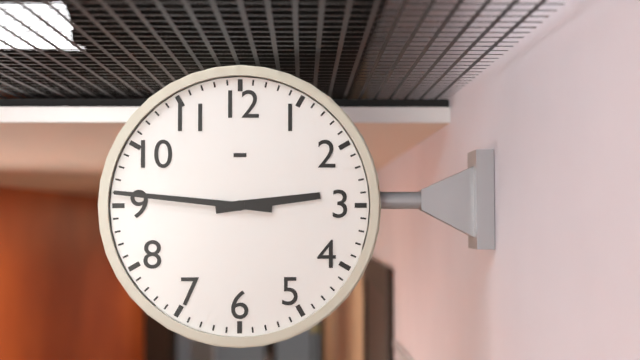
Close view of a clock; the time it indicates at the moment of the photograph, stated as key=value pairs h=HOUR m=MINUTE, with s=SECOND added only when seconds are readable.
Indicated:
h=2 m=46
